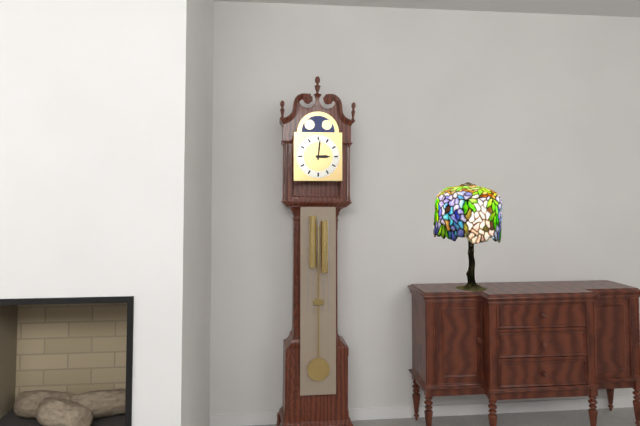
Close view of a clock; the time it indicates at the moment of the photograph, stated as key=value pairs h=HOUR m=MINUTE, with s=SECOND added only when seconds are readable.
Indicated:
h=3 m=1
